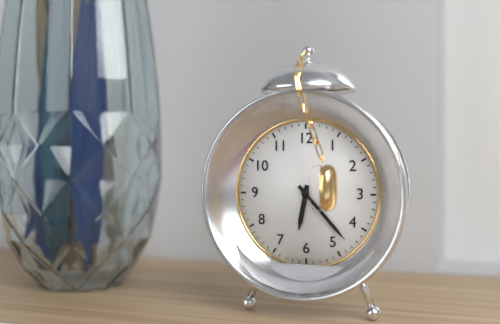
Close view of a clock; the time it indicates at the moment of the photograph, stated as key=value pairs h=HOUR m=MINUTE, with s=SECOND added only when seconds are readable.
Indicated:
h=6 m=23
